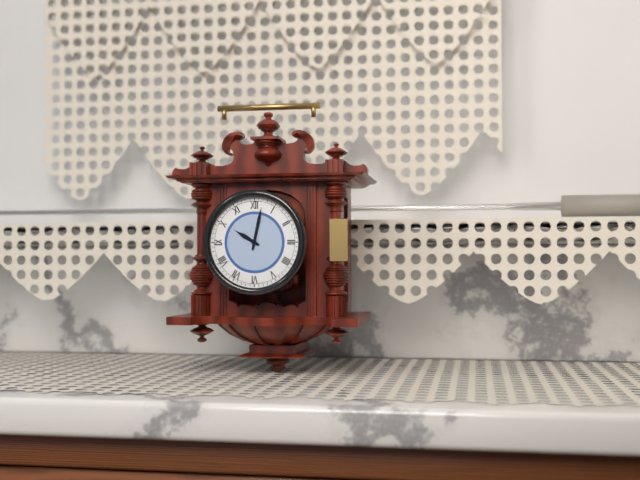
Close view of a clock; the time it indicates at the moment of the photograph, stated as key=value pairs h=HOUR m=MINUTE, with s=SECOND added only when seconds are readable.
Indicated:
h=10 m=2
